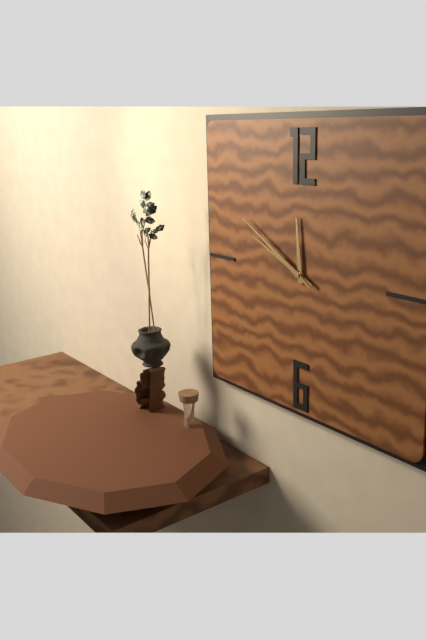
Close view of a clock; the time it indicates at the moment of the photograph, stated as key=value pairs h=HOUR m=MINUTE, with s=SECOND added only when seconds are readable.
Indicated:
h=11 m=49 s=50
